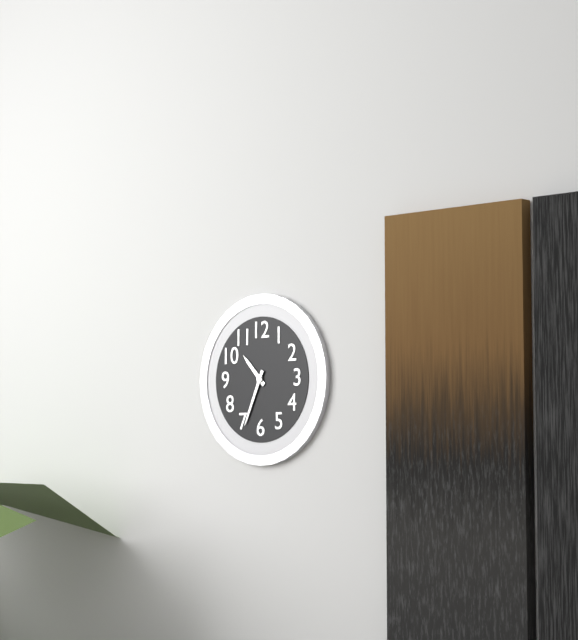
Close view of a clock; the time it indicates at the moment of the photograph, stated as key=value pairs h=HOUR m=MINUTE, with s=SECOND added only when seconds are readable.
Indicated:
h=10 m=34
